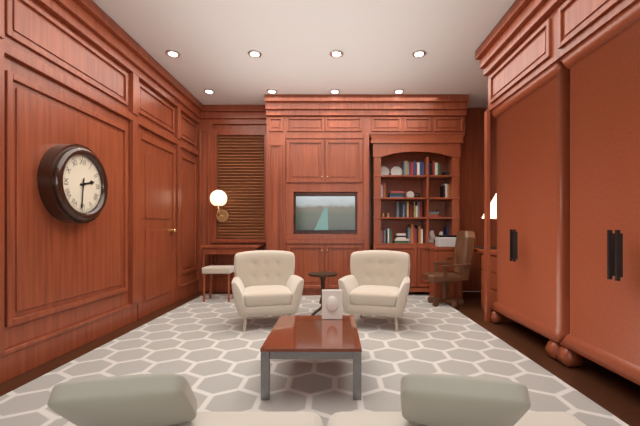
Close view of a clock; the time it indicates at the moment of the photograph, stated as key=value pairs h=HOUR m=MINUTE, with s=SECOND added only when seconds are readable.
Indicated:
h=2 m=31
